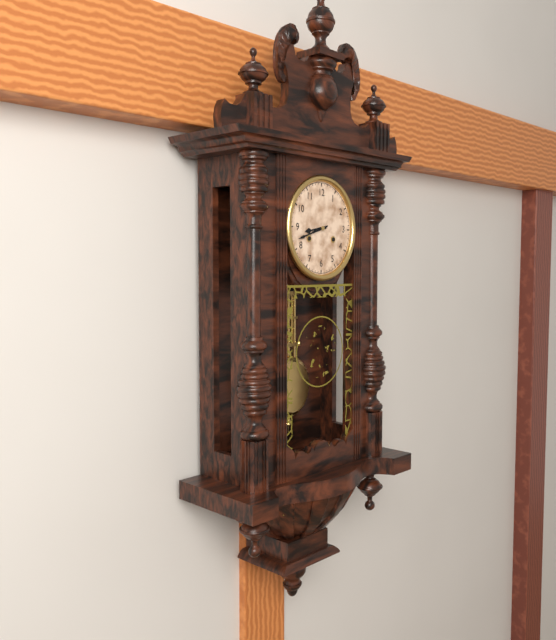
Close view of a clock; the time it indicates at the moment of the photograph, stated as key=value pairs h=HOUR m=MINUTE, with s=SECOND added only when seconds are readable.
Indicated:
h=8 m=42
